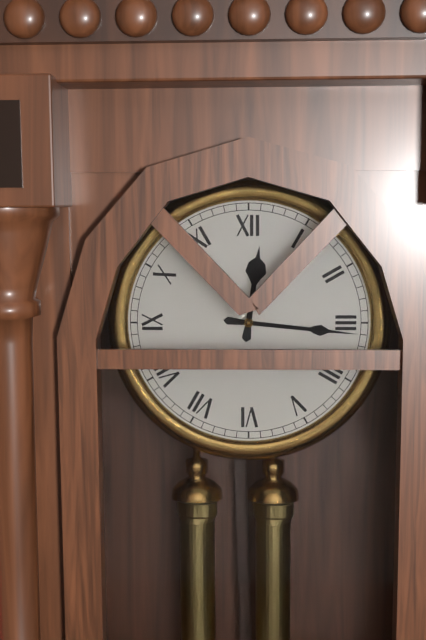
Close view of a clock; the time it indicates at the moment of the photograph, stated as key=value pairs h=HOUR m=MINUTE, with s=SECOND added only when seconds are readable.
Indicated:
h=12 m=16
